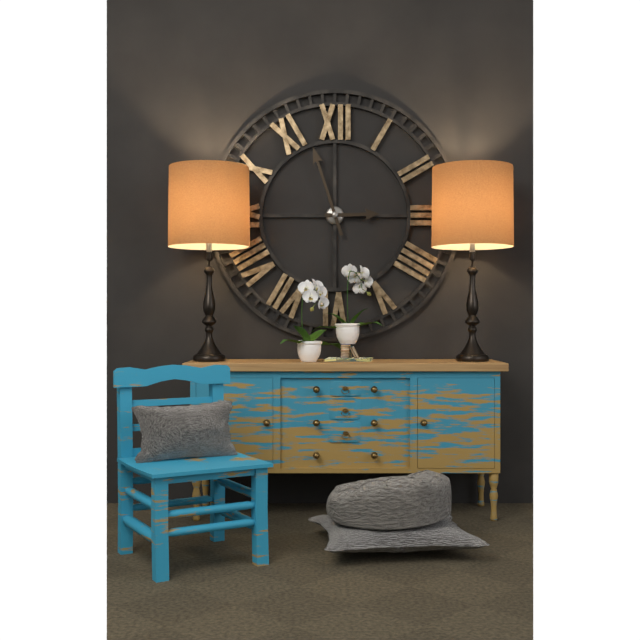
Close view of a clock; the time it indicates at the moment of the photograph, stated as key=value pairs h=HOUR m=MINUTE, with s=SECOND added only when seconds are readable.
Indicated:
h=2 m=57
